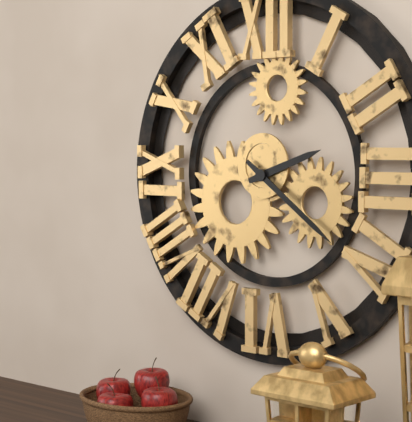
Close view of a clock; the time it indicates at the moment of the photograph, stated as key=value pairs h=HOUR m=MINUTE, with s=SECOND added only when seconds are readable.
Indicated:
h=2 m=21
